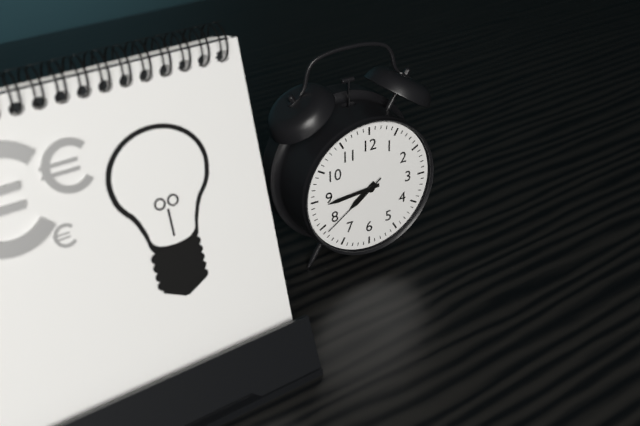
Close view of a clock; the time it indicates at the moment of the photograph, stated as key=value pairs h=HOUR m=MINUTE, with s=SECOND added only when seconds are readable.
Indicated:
h=7 m=44 s=39
